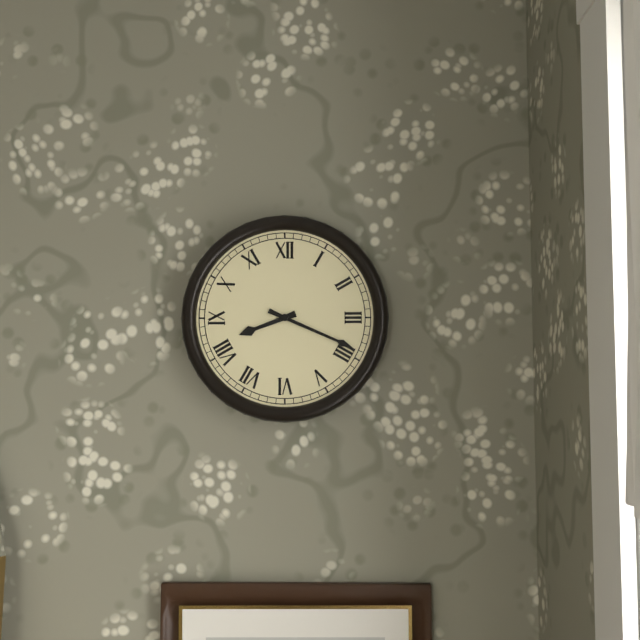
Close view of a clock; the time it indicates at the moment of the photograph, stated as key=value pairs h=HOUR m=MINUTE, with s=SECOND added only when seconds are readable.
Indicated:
h=8 m=19
